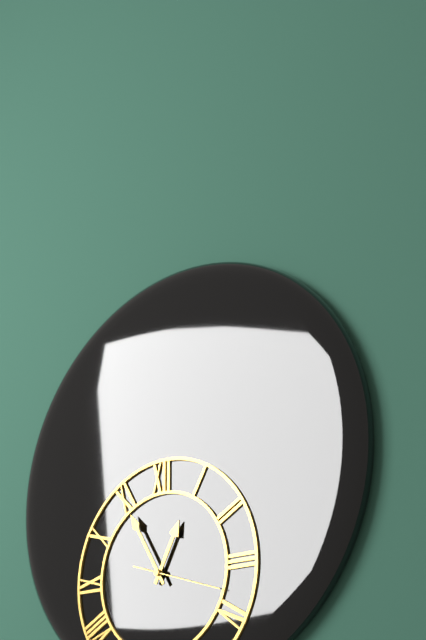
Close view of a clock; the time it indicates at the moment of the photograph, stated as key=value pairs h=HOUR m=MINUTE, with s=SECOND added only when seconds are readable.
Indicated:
h=12 m=55 s=18
